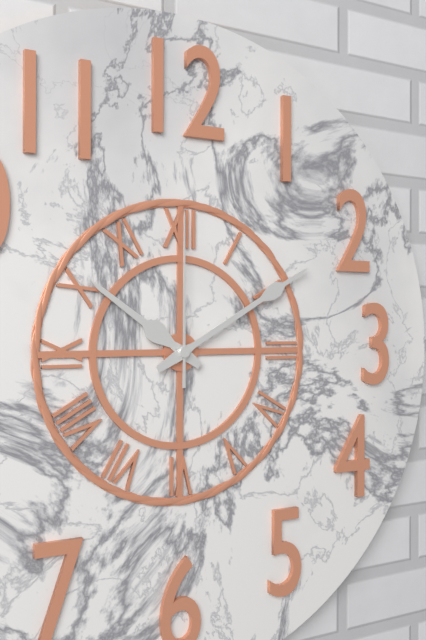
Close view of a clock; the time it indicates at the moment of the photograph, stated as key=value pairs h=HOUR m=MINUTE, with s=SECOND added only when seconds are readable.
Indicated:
h=10 m=10 s=0
